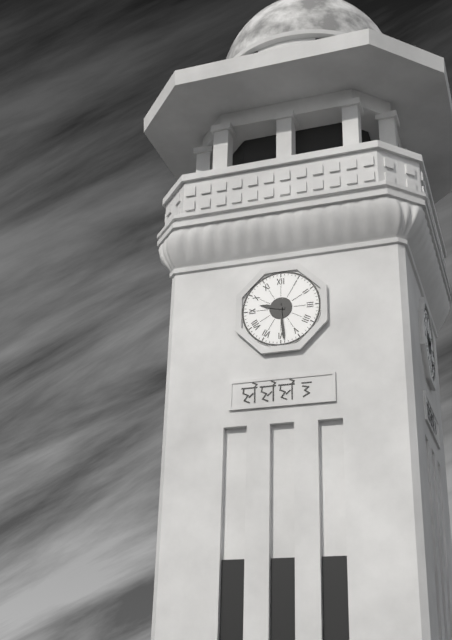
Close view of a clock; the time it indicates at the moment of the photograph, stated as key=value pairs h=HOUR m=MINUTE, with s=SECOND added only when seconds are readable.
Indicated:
h=9 m=29
